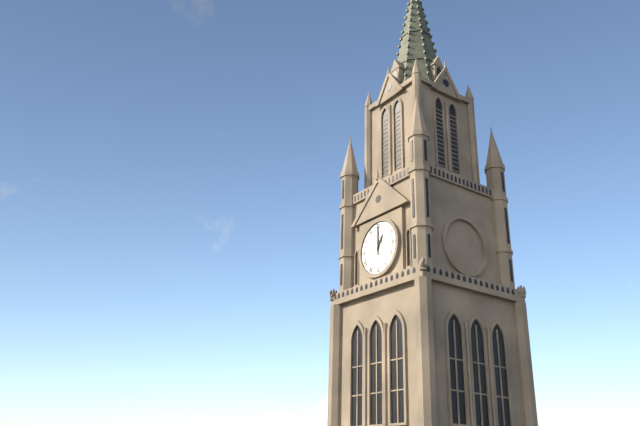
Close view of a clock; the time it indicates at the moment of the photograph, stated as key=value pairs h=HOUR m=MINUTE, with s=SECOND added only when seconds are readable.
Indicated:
h=1 m=0
